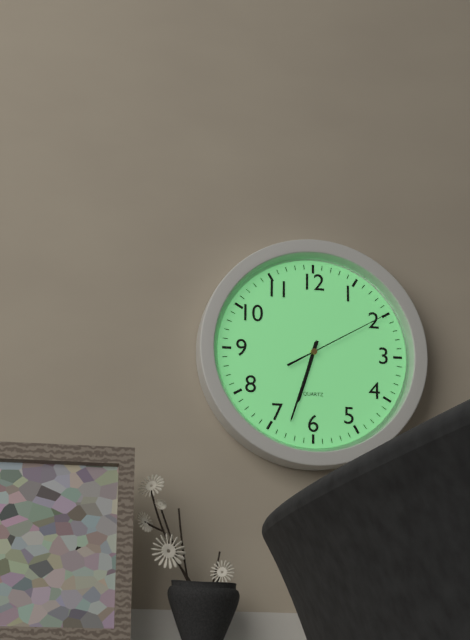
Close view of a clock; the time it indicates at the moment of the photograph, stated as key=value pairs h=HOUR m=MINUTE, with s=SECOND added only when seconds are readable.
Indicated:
h=6 m=33 s=10
